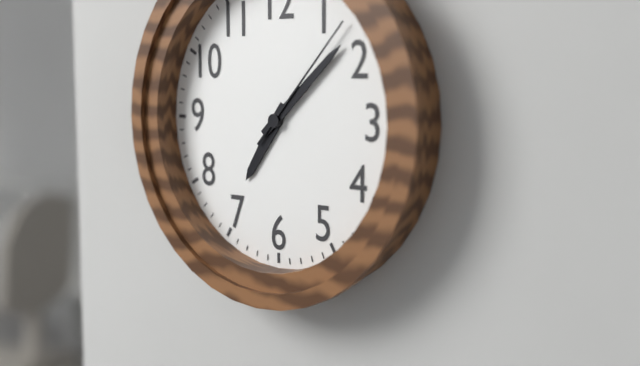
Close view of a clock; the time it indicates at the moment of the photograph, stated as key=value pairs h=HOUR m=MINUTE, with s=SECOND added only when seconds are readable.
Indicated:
h=7 m=8 s=7
